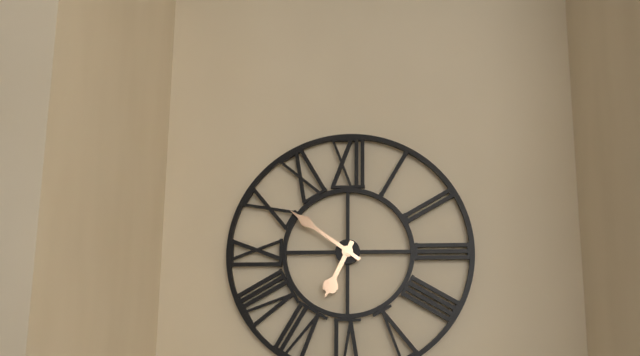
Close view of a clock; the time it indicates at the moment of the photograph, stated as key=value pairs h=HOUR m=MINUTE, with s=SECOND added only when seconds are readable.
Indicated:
h=6 m=51
